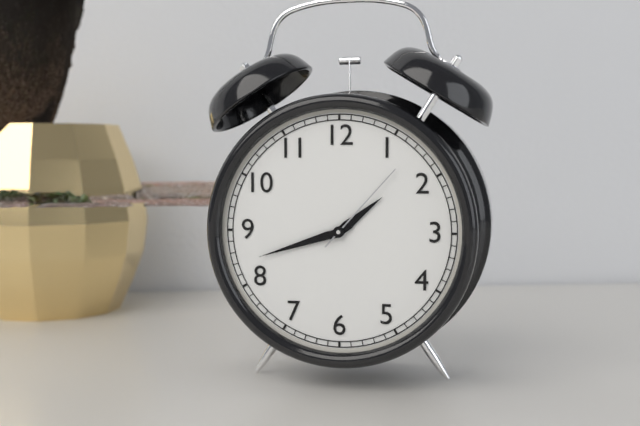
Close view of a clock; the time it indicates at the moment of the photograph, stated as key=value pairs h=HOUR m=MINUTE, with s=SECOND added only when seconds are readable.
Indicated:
h=1 m=42 s=7
